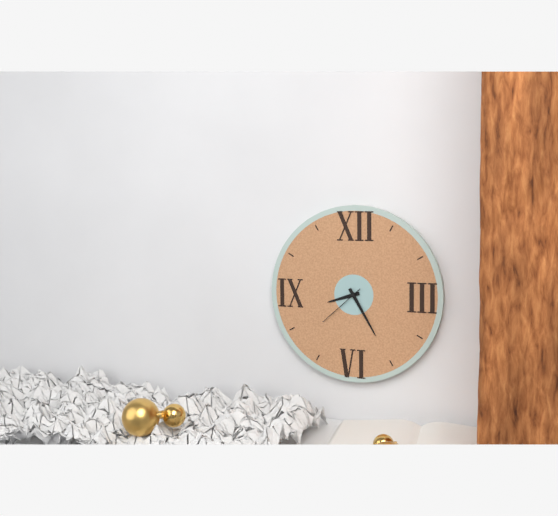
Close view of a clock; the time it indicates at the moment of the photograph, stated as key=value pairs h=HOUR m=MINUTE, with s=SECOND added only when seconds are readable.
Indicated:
h=8 m=25 s=38
